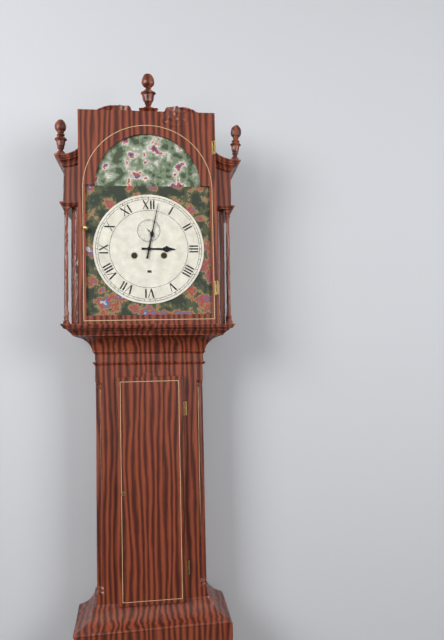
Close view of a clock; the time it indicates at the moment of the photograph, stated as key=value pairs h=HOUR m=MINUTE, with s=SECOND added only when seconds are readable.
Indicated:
h=3 m=2
